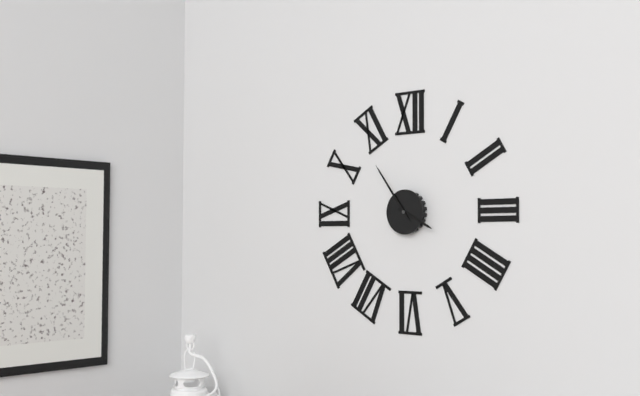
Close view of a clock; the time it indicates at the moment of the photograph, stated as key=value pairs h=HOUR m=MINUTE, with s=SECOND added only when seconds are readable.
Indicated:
h=3 m=54
